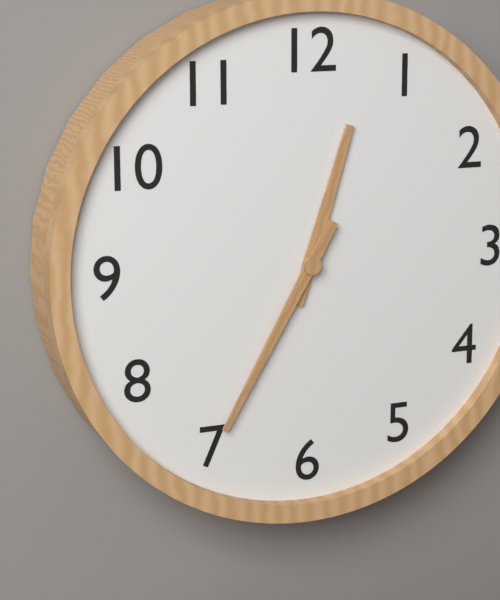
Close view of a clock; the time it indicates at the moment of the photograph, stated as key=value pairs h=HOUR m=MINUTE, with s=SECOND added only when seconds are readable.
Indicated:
h=12 m=35
